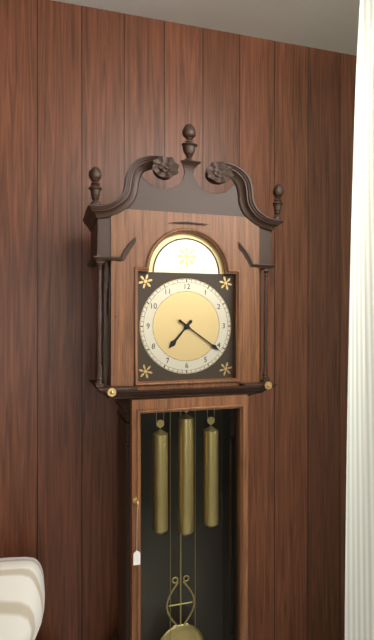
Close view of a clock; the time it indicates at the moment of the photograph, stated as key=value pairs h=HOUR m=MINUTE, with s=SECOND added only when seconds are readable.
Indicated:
h=7 m=21
